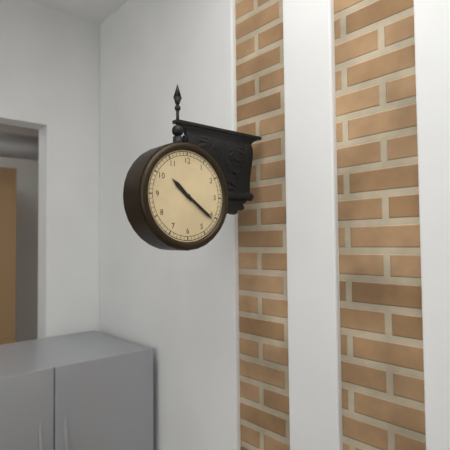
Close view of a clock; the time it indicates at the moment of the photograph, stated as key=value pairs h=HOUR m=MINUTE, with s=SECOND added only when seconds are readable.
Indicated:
h=10 m=21
